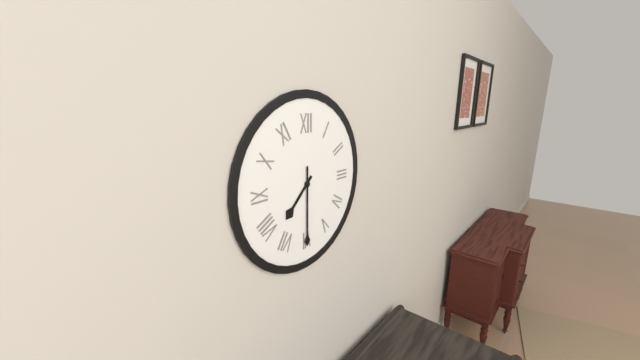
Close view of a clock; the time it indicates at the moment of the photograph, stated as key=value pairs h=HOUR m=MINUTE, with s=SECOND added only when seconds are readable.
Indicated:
h=7 m=30
